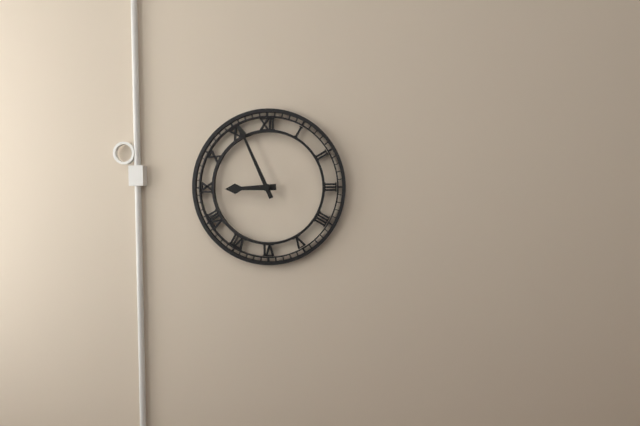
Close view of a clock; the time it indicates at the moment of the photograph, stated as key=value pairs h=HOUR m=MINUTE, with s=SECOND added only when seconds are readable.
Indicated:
h=8 m=56
